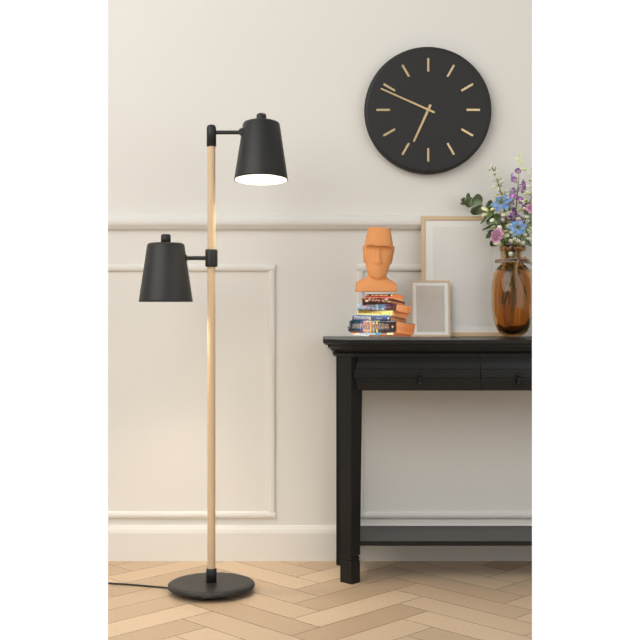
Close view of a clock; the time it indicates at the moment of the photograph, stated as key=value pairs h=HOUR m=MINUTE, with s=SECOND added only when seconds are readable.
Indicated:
h=6 m=49
